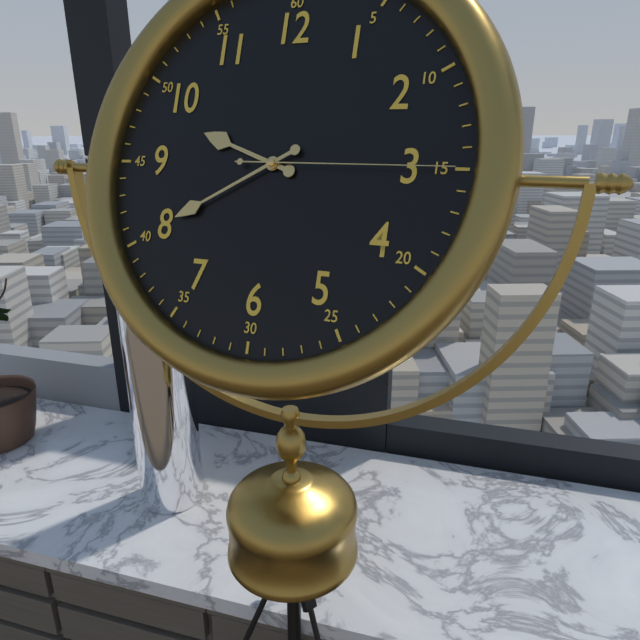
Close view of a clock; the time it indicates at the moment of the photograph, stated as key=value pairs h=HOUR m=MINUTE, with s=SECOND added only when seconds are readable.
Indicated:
h=9 m=40 s=15
